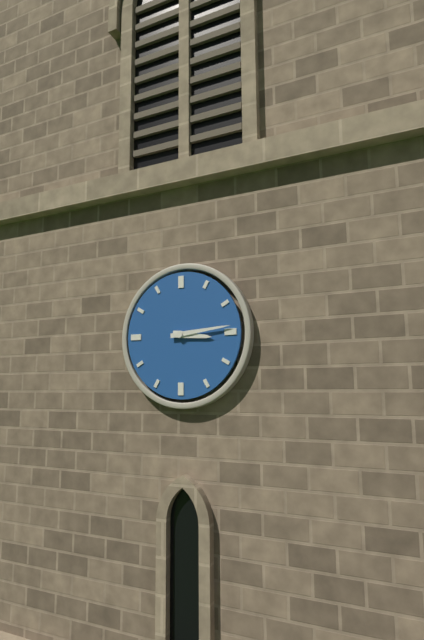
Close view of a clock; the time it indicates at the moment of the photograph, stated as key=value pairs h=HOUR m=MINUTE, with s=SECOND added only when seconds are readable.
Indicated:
h=3 m=14
